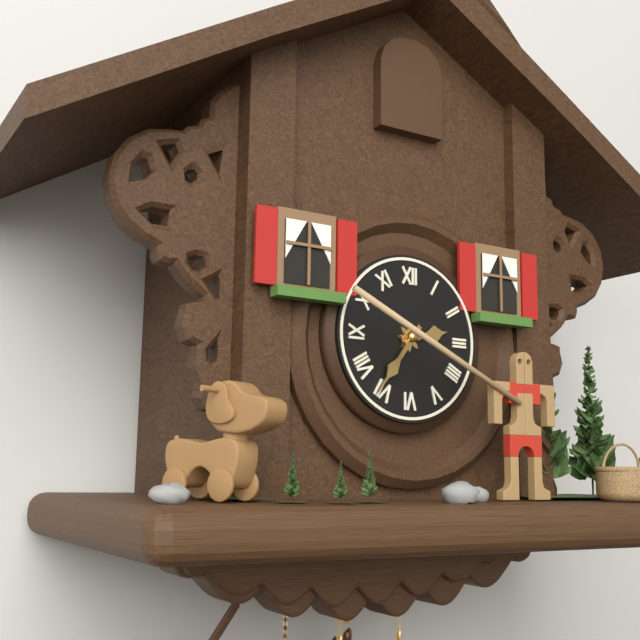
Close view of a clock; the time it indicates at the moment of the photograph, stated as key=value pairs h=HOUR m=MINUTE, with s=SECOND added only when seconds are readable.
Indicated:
h=2 m=36
